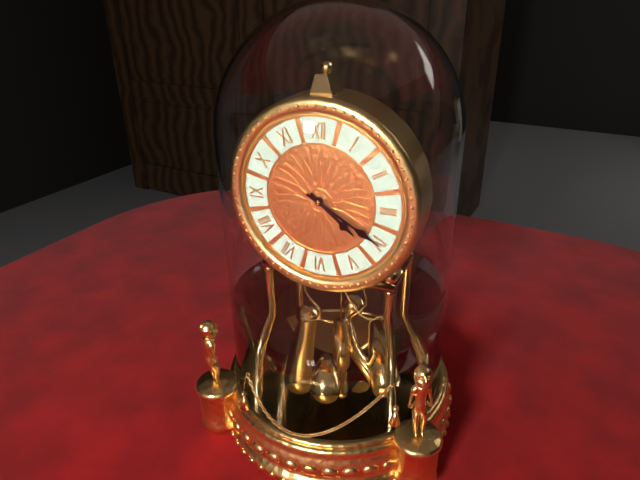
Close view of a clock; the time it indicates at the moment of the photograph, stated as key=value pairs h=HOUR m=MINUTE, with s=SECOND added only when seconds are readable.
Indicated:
h=4 m=20
